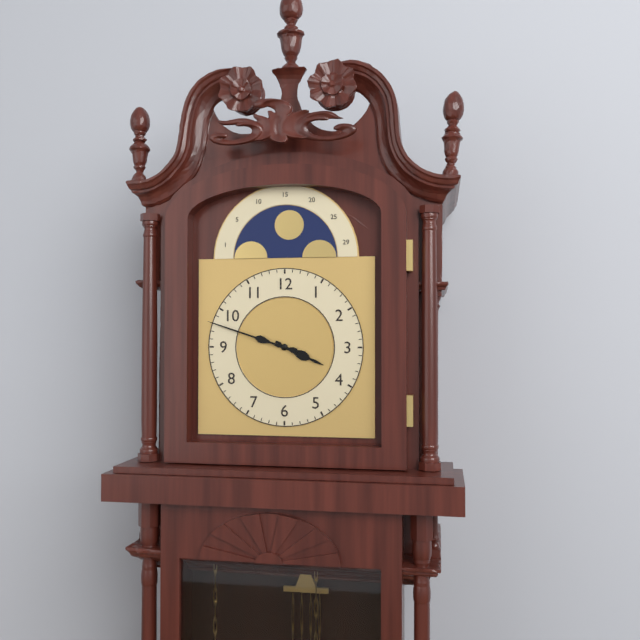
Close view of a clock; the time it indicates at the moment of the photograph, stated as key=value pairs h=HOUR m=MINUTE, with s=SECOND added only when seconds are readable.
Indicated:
h=3 m=48
